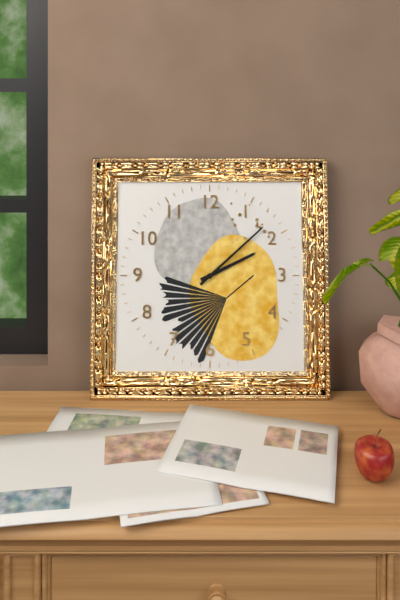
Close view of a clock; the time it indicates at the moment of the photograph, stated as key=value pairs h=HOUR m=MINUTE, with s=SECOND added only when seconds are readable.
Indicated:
h=2 m=8
